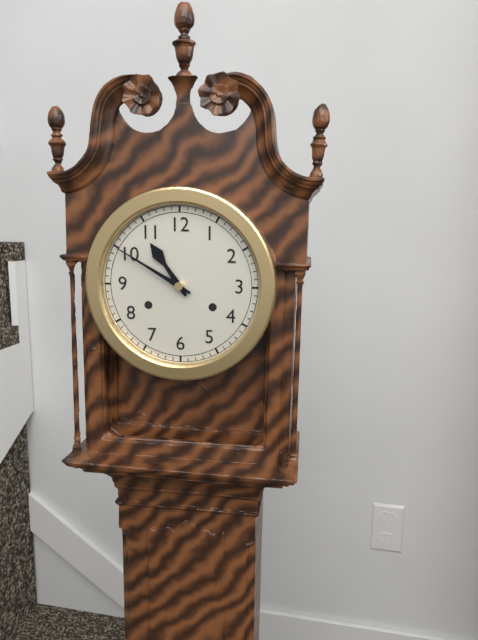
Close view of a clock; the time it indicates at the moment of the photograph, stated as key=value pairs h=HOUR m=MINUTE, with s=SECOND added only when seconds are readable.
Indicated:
h=10 m=50
